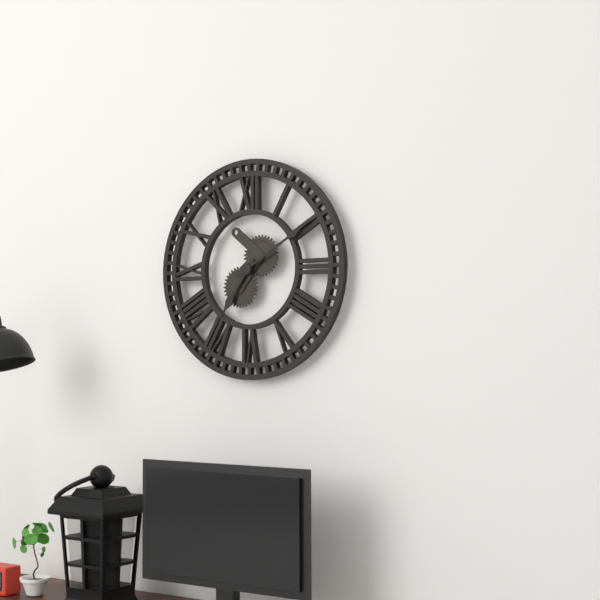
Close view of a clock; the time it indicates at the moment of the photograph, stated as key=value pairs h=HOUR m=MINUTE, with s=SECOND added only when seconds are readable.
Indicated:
h=7 m=10
